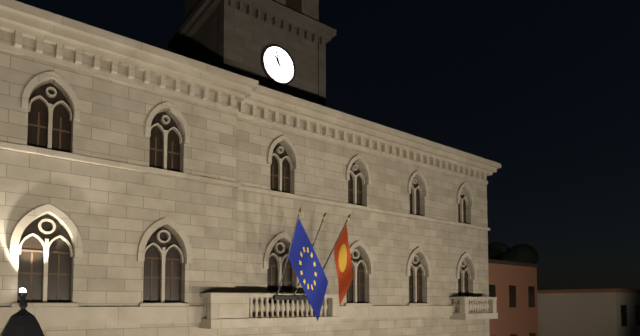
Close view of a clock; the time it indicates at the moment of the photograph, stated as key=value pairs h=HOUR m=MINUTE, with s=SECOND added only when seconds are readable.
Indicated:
h=10 m=57
